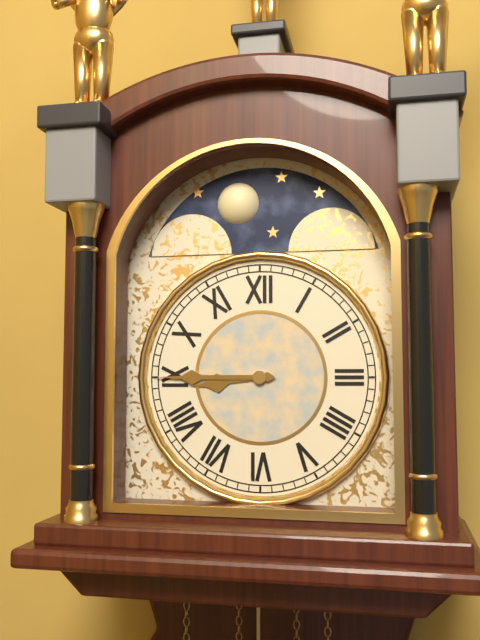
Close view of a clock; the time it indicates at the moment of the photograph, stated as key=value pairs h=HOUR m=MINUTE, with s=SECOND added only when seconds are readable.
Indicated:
h=8 m=45
